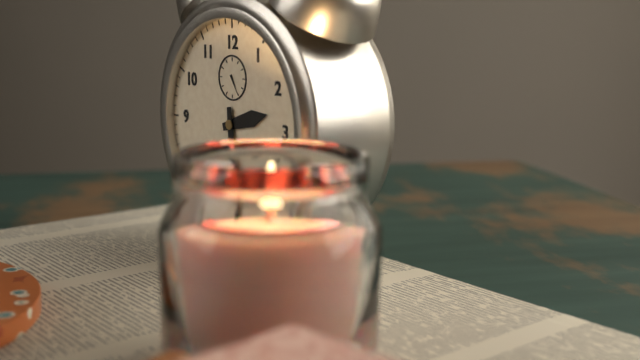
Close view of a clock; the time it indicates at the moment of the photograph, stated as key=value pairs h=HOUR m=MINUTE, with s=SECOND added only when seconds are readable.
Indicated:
h=2 m=29
